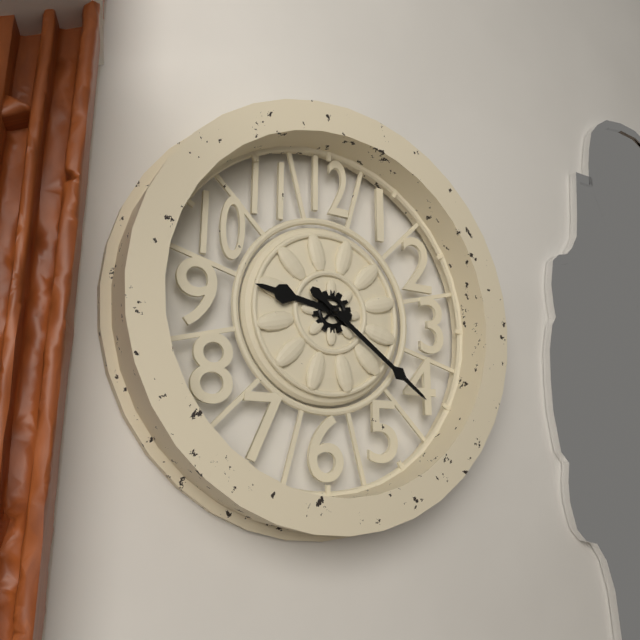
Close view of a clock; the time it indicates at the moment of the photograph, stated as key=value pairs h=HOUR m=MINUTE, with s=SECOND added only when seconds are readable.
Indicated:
h=9 m=21
